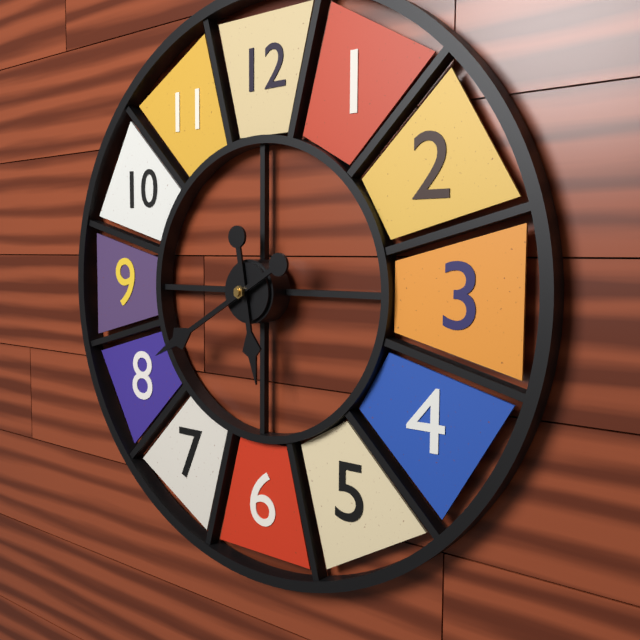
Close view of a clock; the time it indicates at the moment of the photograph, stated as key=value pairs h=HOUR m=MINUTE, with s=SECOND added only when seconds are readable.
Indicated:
h=5 m=40
